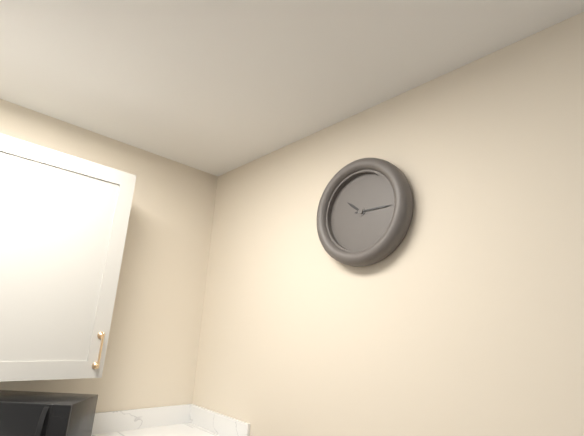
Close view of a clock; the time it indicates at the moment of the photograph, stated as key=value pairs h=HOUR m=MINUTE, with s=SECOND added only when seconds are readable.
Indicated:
h=10 m=15
